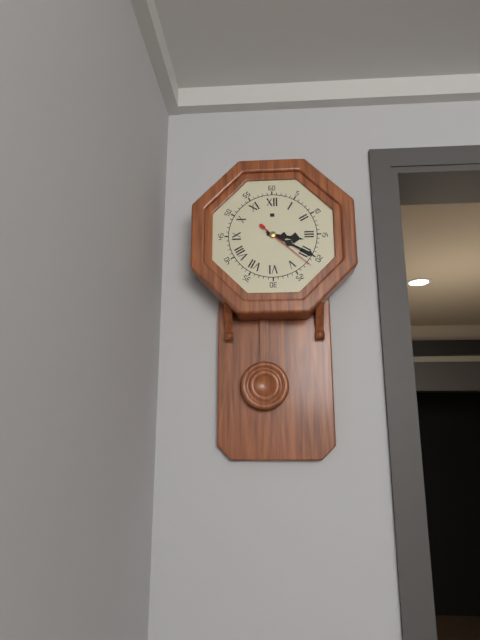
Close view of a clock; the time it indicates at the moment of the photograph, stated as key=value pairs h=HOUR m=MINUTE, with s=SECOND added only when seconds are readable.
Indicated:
h=3 m=20 s=22
